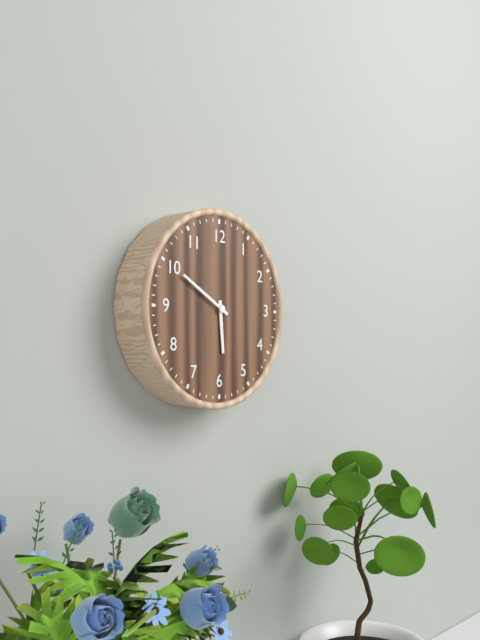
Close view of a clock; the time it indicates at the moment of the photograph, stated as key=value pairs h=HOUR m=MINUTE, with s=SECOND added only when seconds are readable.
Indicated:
h=5 m=50
